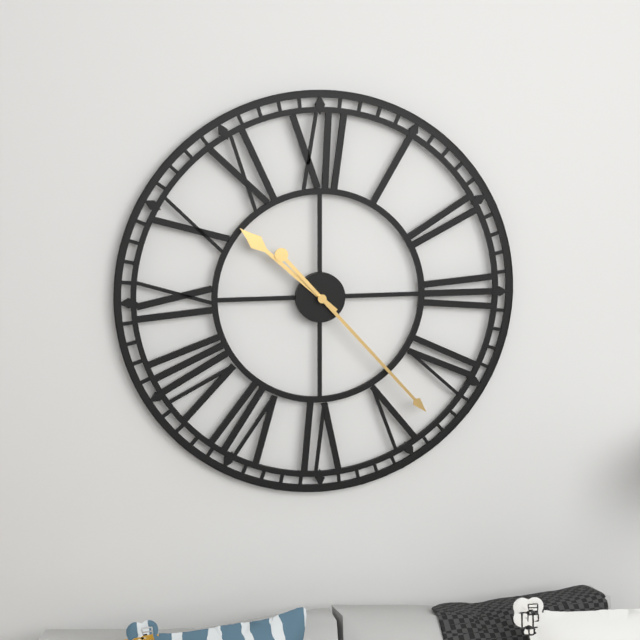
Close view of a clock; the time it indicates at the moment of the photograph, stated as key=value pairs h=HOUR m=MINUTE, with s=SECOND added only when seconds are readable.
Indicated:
h=10 m=23
